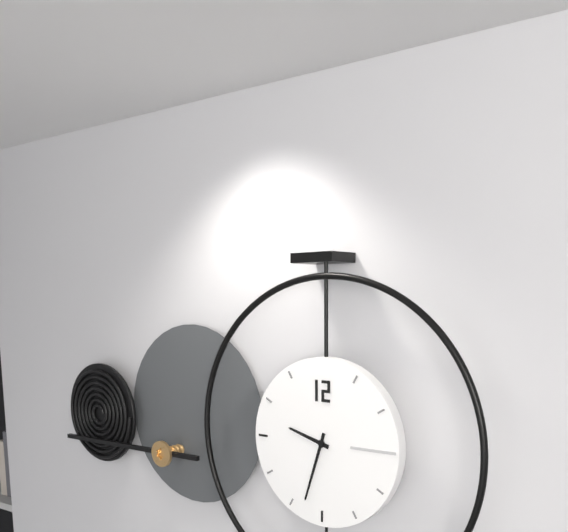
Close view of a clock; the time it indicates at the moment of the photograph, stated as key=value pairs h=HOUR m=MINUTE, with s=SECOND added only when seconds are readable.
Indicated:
h=9 m=33
